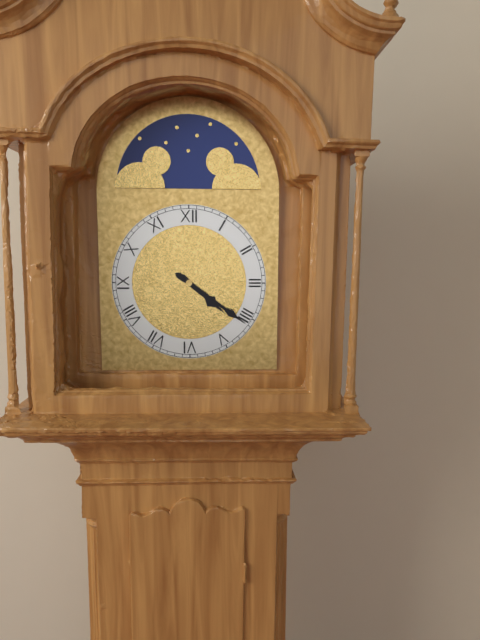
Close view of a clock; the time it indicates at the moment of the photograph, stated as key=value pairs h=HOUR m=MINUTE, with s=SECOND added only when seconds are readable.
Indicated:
h=4 m=21
